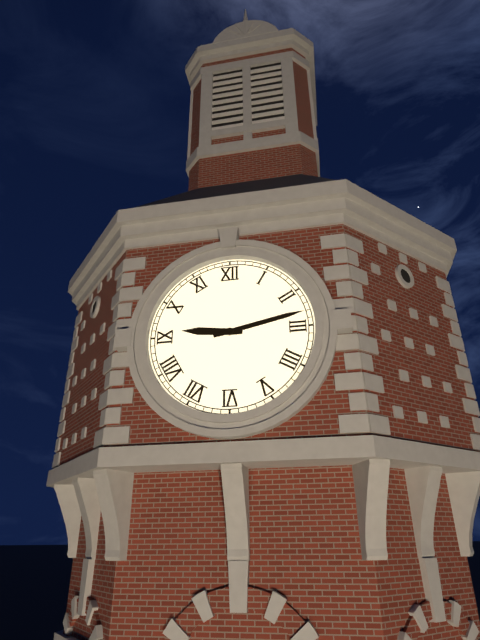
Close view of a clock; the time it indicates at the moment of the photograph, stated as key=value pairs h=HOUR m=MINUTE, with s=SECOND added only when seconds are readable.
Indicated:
h=9 m=13
